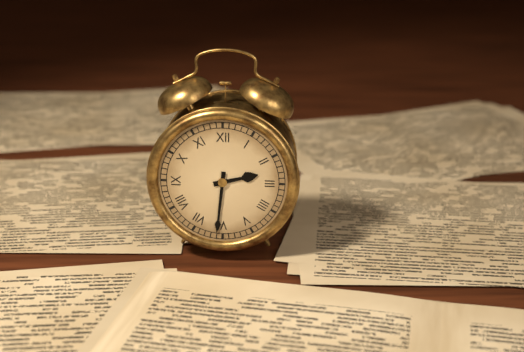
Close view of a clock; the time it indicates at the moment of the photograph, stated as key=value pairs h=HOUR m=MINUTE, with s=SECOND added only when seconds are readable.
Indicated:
h=2 m=31
